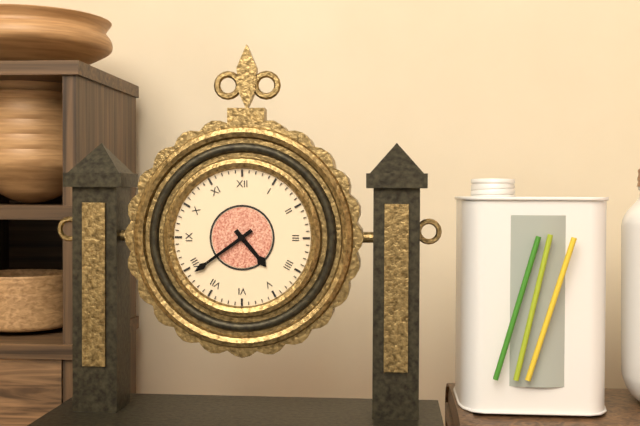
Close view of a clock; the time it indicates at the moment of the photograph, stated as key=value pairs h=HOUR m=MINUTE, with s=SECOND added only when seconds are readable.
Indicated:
h=4 m=39
